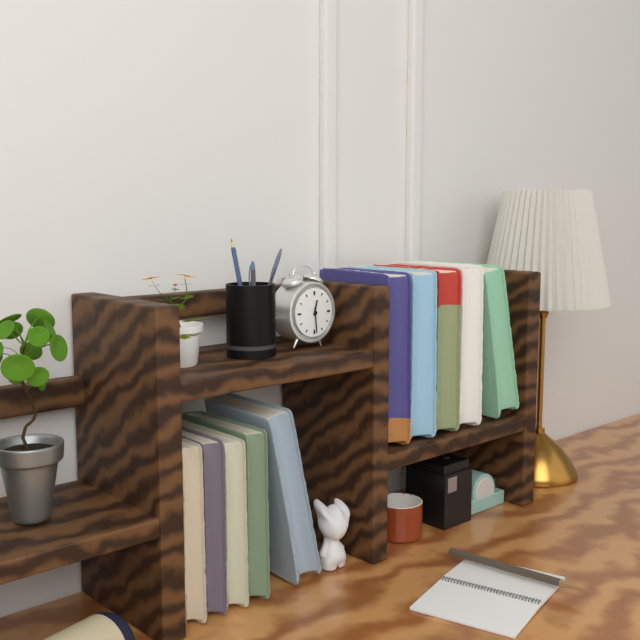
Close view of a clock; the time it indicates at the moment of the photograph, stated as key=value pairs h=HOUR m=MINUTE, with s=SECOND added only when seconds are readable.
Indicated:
h=12 m=29
